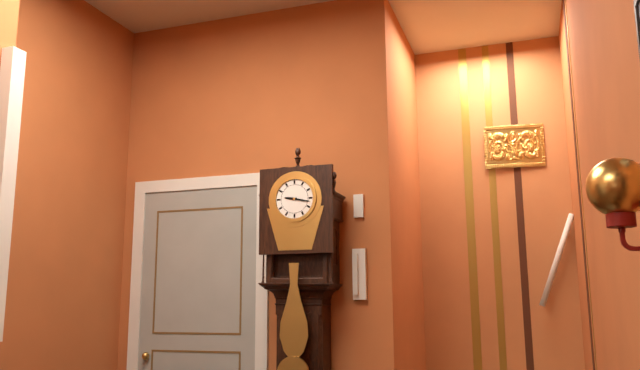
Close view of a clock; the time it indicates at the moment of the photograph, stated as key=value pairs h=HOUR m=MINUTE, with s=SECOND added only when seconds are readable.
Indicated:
h=9 m=17
